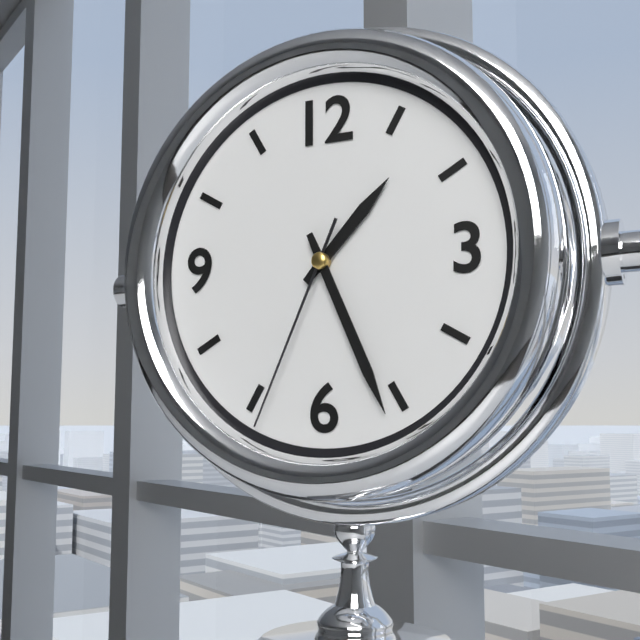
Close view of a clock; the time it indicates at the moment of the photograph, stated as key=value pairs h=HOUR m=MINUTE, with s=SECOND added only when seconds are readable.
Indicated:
h=1 m=26 s=34
